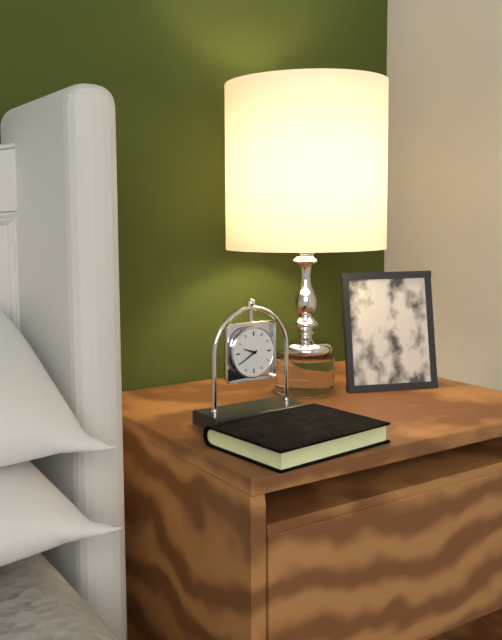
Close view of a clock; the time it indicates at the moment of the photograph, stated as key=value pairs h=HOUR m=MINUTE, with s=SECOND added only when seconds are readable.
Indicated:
h=9 m=40
